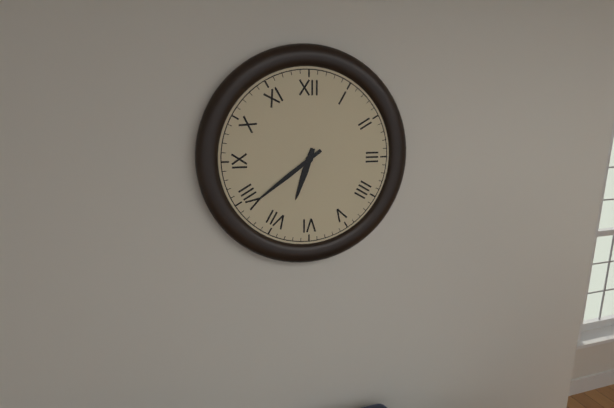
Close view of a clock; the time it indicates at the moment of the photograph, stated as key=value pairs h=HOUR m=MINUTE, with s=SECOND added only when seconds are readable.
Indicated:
h=6 m=39
